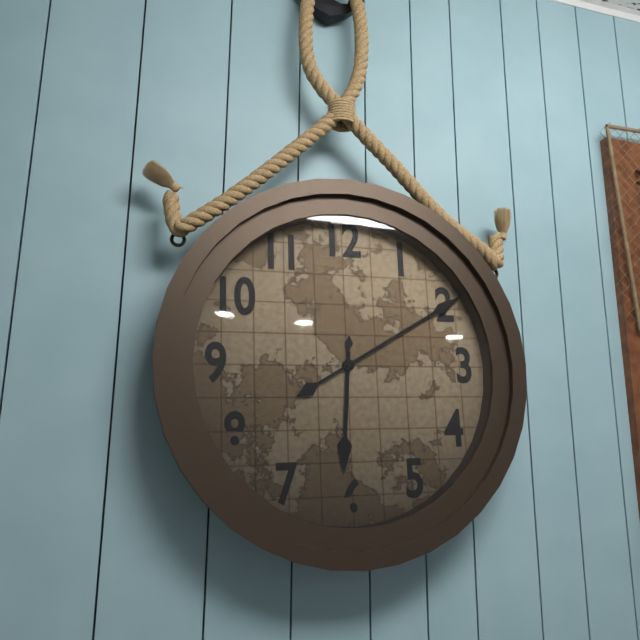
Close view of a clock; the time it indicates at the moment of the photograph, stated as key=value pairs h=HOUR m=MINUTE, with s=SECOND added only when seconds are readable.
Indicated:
h=6 m=10
